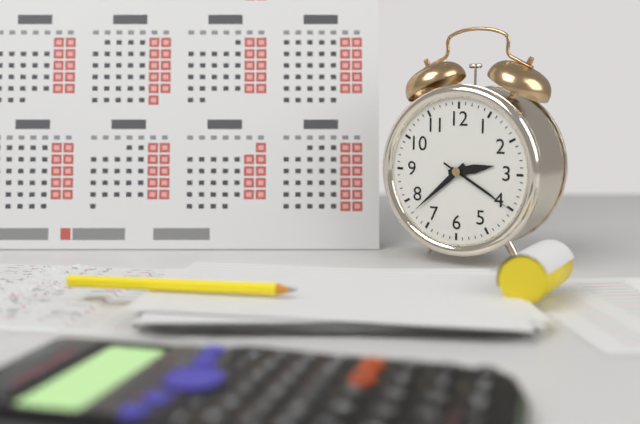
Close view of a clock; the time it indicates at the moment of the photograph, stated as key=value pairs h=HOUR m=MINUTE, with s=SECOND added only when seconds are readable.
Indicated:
h=2 m=38 s=20
